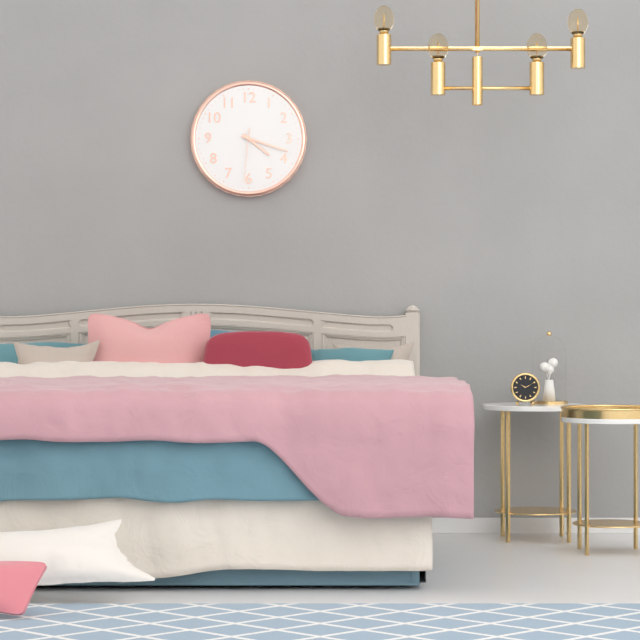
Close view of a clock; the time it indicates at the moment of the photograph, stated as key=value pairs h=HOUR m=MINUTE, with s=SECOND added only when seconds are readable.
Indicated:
h=4 m=18 s=31
